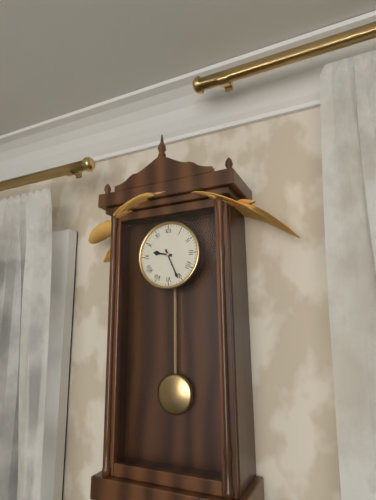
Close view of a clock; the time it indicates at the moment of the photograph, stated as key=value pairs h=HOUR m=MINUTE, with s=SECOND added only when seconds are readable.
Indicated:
h=9 m=26
